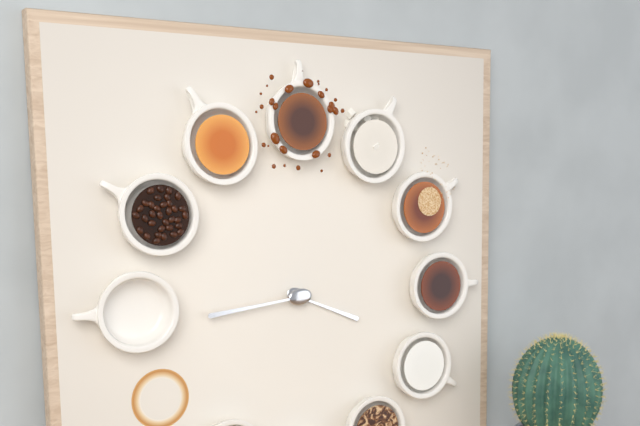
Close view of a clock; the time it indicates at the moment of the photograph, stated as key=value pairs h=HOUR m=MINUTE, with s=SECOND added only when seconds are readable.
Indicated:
h=3 m=44
